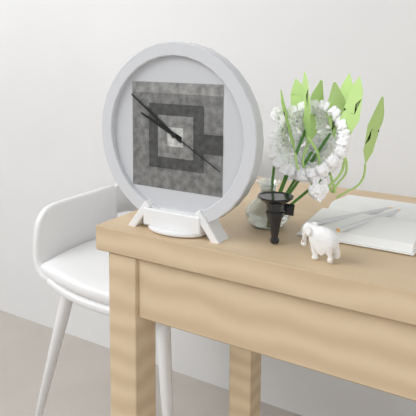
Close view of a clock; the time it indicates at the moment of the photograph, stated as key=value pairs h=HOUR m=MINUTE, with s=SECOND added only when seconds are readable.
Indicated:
h=9 m=51 s=20
